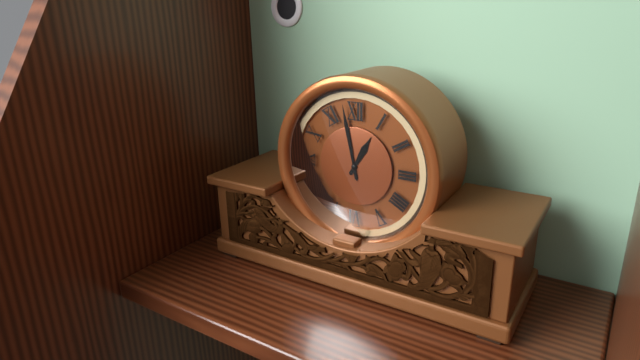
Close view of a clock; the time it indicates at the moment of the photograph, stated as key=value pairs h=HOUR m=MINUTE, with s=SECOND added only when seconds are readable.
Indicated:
h=12 m=58
